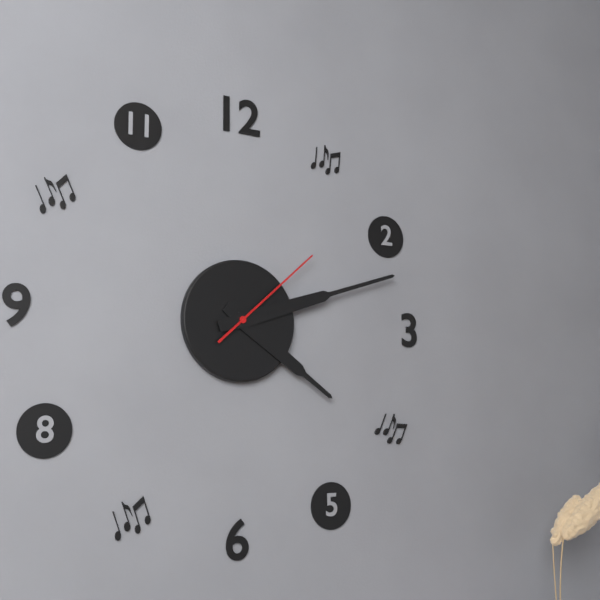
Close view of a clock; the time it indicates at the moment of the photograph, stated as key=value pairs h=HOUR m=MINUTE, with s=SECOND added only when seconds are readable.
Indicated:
h=4 m=12 s=8
